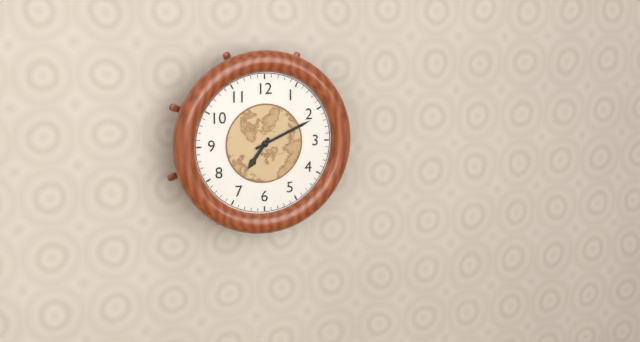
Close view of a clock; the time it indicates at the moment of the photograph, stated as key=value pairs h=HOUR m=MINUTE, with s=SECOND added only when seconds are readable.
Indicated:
h=7 m=11
